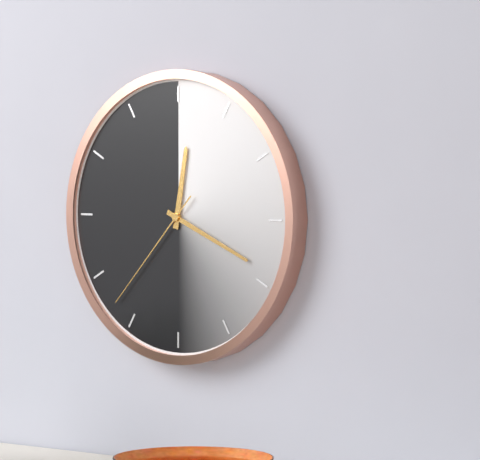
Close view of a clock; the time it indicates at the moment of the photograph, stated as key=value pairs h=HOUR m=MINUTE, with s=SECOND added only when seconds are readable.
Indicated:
h=12 m=19 s=37
